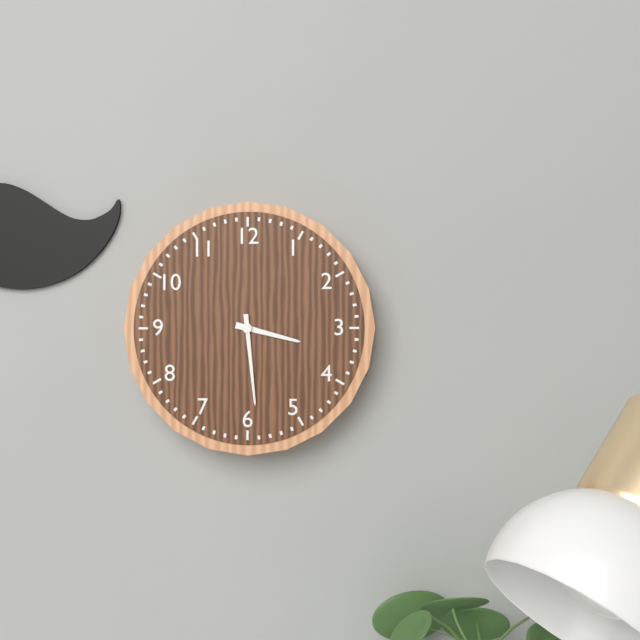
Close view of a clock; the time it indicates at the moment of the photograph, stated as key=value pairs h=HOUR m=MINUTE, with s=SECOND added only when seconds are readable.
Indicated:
h=3 m=29
